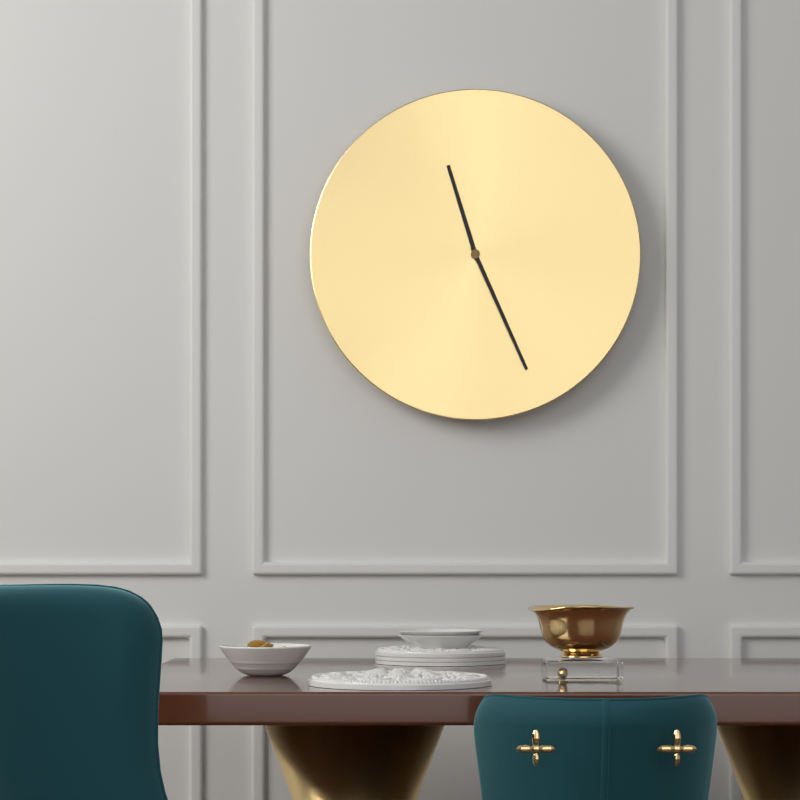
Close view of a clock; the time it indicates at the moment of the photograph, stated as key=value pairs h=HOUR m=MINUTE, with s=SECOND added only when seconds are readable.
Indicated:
h=11 m=26
